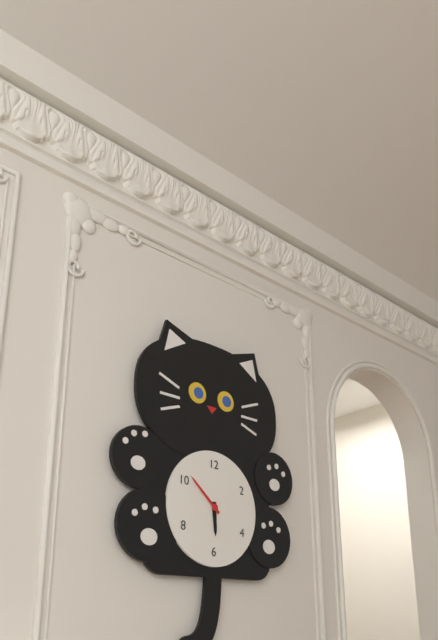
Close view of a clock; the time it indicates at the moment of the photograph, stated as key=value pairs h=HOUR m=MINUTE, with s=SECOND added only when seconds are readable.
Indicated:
h=5 m=52
